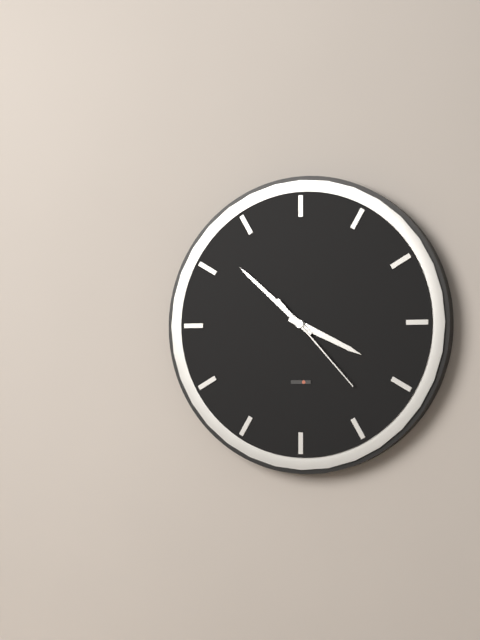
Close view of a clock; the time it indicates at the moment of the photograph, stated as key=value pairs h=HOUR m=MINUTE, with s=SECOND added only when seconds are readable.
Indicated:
h=3 m=52 s=23
